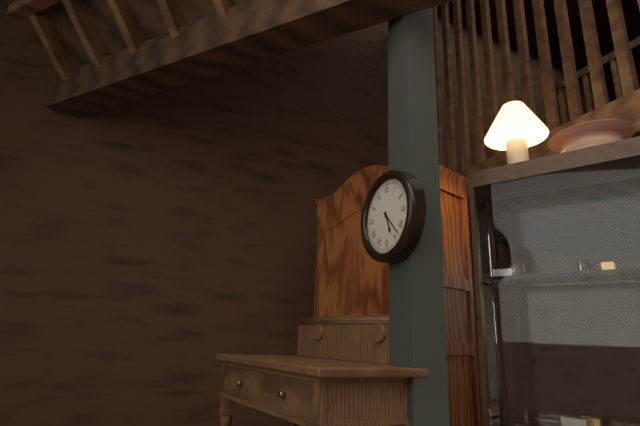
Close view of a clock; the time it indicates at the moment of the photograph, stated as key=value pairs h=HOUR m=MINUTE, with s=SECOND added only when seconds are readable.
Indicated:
h=5 m=23
